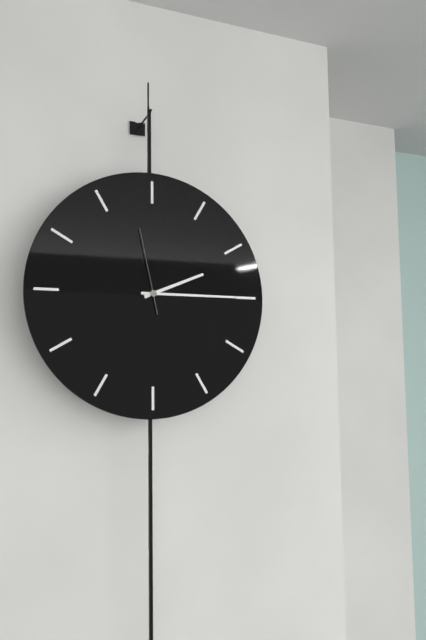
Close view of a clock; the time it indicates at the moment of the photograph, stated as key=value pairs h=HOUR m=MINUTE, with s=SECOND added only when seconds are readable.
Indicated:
h=2 m=15 s=58
